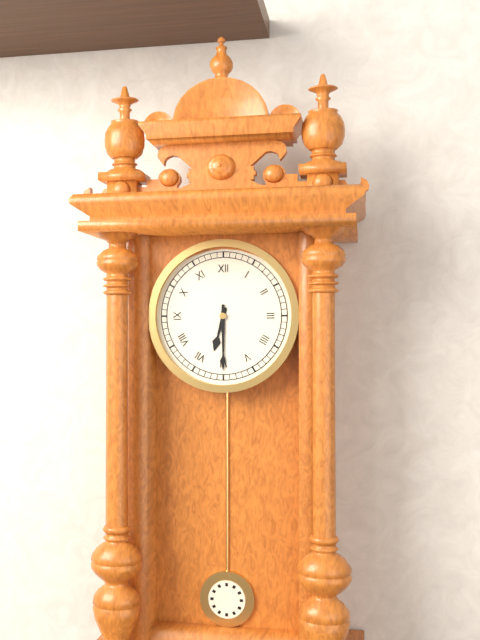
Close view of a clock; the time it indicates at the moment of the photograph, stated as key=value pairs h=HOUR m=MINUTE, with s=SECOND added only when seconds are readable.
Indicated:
h=6 m=30
